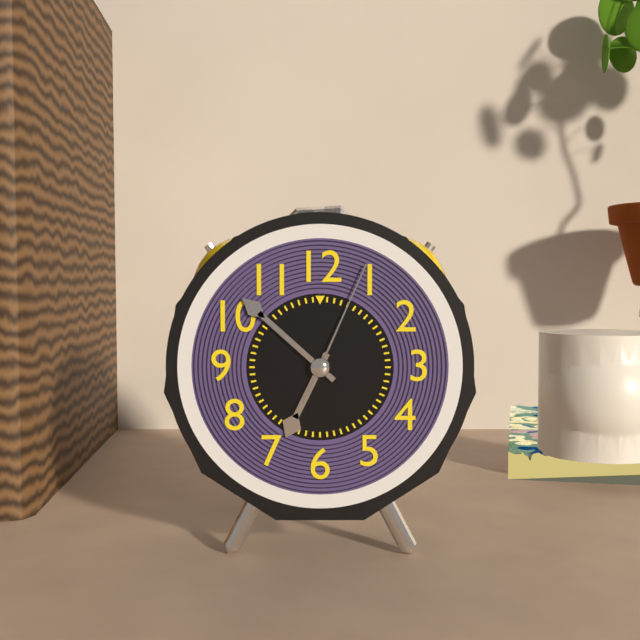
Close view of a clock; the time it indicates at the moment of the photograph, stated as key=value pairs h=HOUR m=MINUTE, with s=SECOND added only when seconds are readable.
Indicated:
h=6 m=52 s=4
